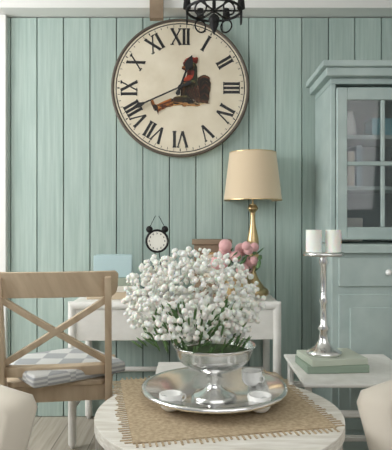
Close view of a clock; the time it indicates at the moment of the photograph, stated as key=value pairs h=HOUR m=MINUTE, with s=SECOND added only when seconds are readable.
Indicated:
h=12 m=41
